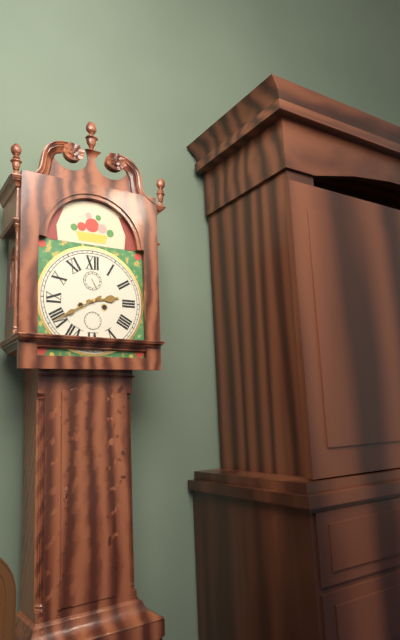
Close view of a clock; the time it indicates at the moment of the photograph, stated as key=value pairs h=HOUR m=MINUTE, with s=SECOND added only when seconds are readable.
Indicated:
h=2 m=40
